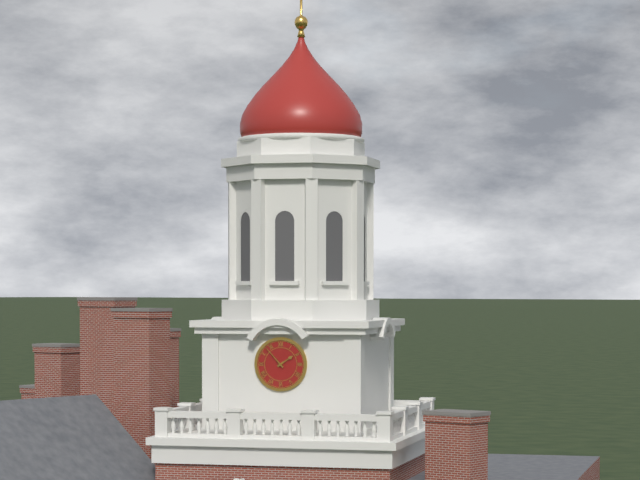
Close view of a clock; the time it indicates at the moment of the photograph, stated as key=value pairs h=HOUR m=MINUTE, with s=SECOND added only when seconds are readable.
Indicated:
h=1 m=53
